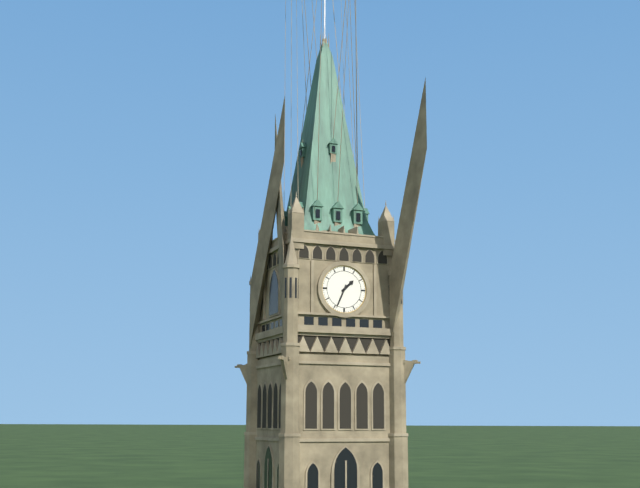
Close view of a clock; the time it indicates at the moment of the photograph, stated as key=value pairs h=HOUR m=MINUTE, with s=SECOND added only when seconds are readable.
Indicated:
h=1 m=34
